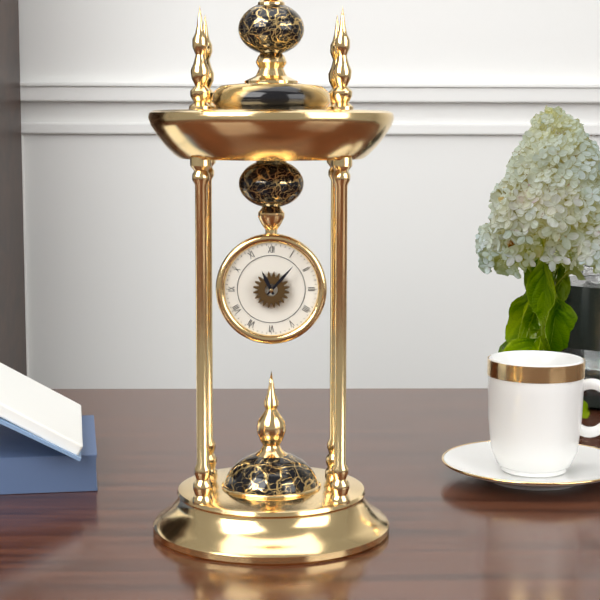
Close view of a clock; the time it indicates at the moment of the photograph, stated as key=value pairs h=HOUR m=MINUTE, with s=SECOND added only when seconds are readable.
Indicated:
h=11 m=7
